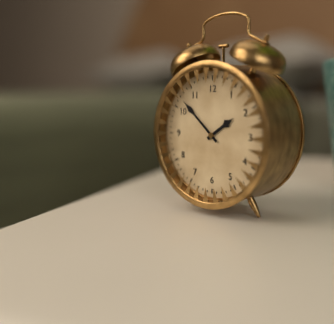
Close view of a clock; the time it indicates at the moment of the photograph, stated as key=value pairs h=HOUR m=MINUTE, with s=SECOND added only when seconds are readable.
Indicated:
h=1 m=52
